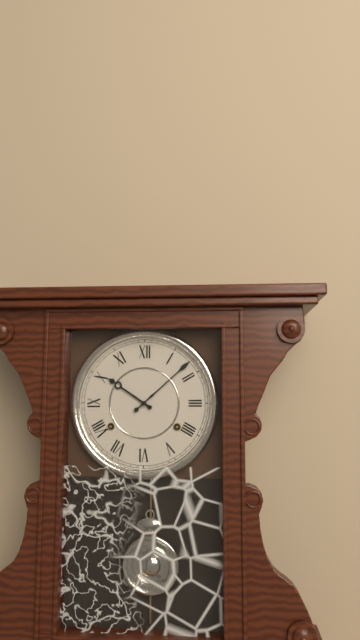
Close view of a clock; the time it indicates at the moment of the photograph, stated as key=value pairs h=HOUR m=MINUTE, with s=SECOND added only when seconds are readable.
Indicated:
h=10 m=8
